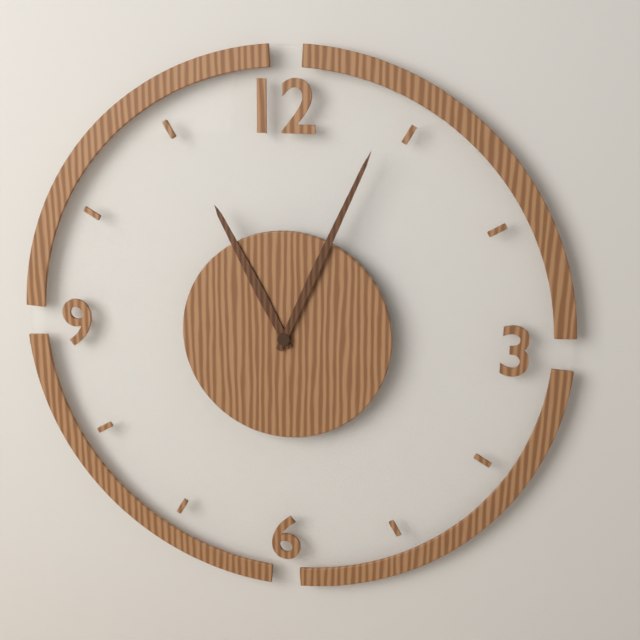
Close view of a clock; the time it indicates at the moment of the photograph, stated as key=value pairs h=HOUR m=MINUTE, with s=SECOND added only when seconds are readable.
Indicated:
h=11 m=4
